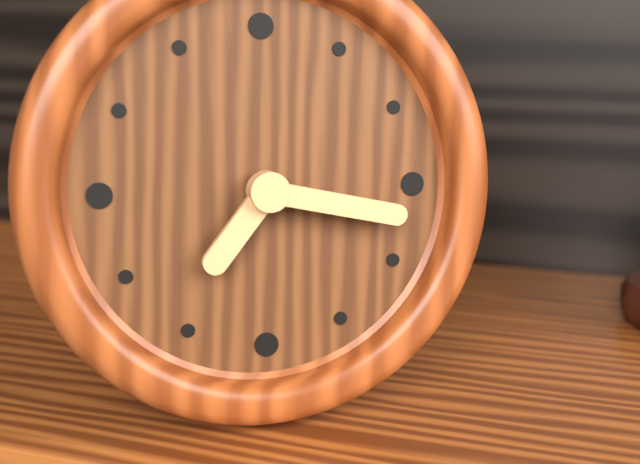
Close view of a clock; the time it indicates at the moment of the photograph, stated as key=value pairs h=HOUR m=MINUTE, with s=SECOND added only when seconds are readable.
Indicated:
h=7 m=17
